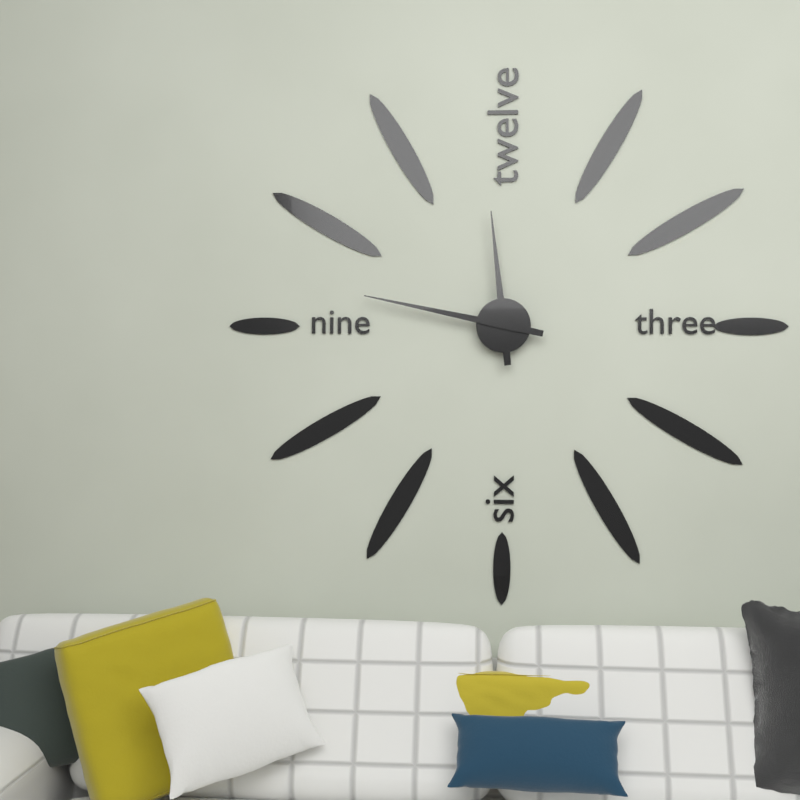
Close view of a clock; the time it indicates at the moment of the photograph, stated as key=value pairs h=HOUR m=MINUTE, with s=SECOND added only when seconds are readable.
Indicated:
h=11 m=47
